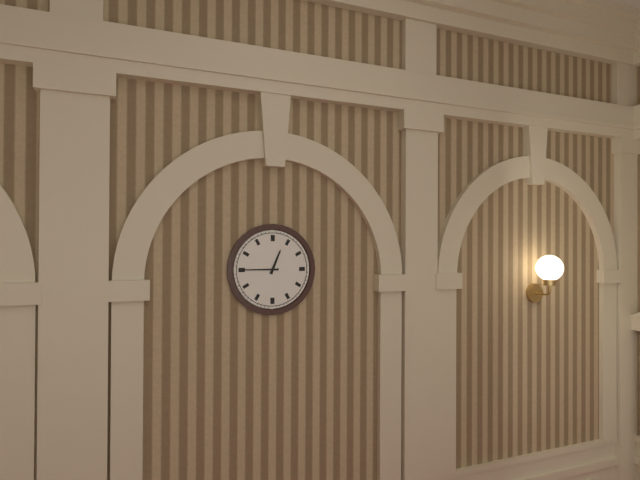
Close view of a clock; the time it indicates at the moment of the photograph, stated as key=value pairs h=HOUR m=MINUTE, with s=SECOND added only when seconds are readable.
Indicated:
h=12 m=45
